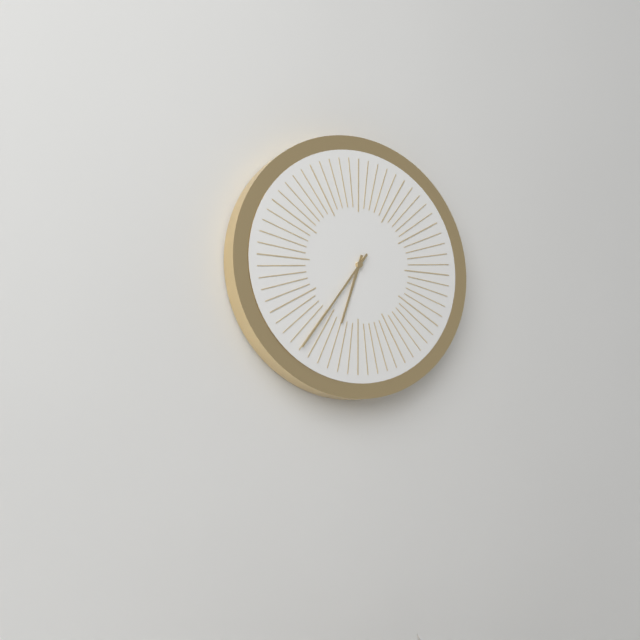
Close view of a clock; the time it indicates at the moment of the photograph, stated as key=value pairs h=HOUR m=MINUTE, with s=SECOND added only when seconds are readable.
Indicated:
h=6 m=36
